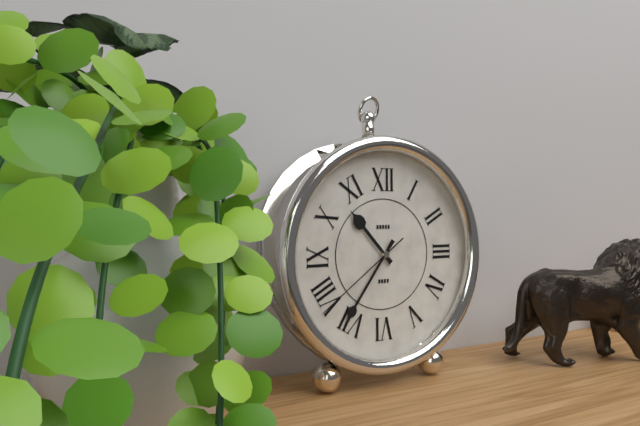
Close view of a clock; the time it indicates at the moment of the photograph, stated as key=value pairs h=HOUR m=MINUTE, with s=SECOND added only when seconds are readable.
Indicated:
h=10 m=36 s=39
